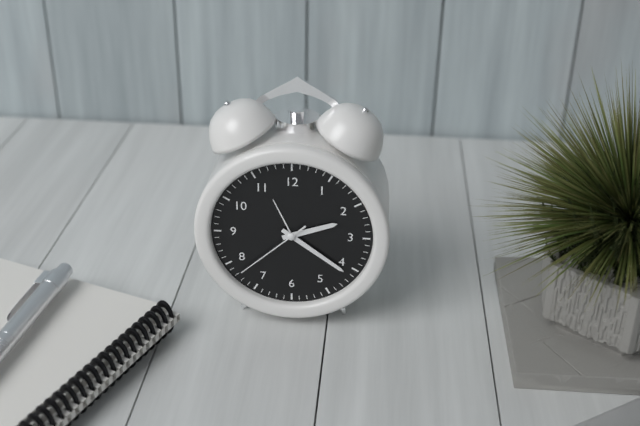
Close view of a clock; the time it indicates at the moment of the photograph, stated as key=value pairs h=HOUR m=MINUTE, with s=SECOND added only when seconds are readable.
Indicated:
h=2 m=21 s=38
